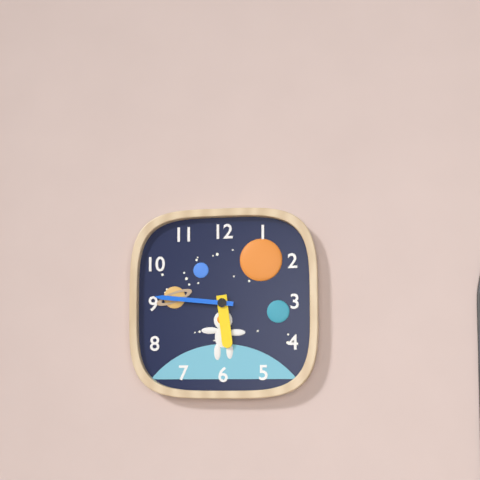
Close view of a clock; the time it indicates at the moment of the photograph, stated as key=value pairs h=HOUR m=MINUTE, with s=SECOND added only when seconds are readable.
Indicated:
h=5 m=46
